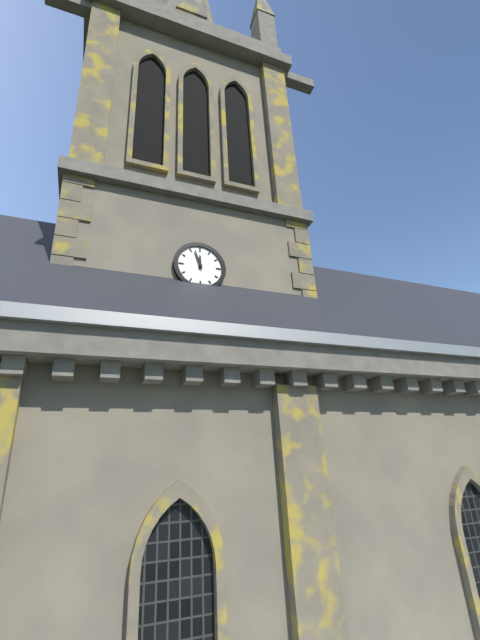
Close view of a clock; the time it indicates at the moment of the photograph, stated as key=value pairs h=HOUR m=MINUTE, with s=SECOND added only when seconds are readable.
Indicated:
h=11 m=57
